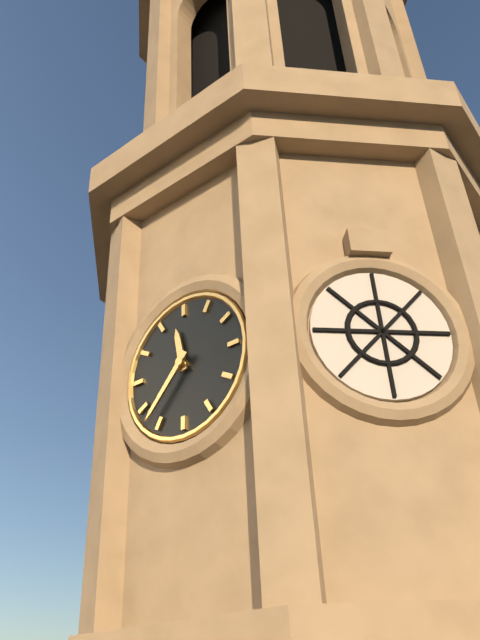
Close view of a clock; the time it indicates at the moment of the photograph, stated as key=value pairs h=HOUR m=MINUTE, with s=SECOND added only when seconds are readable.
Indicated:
h=11 m=37
